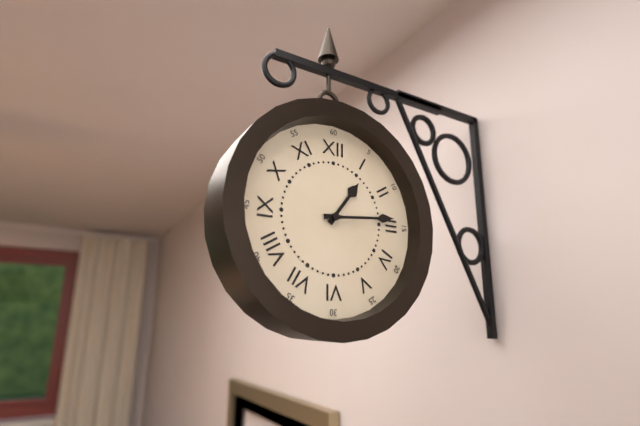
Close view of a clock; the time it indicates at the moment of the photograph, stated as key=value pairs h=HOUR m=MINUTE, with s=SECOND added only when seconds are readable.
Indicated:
h=1 m=14
